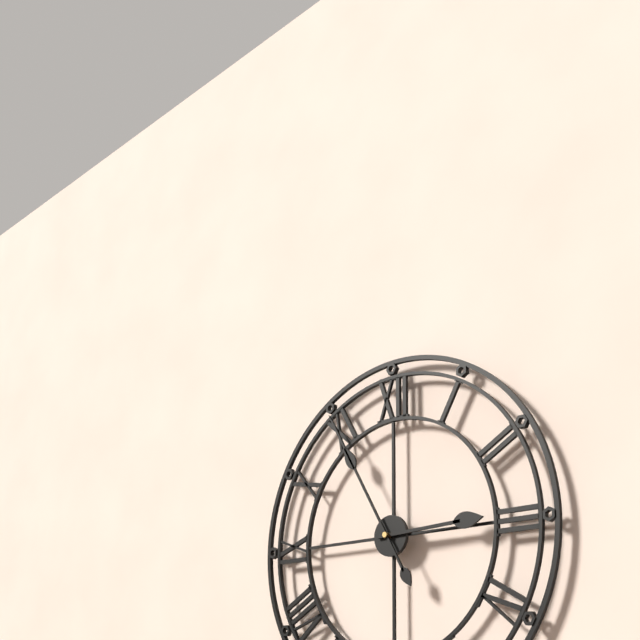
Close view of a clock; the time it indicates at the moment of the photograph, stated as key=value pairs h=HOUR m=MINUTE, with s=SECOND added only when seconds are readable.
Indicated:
h=2 m=55
